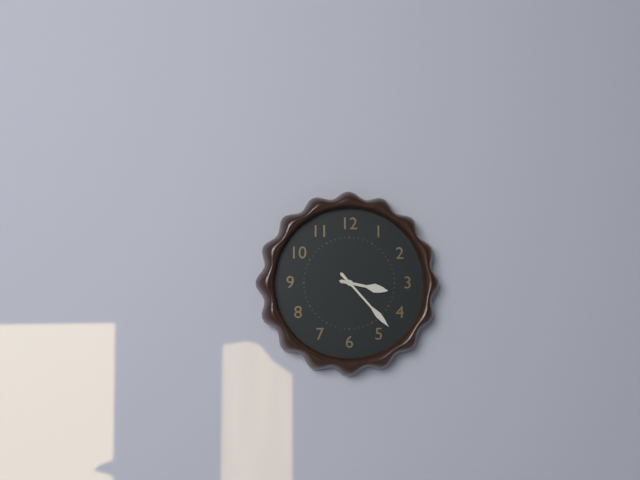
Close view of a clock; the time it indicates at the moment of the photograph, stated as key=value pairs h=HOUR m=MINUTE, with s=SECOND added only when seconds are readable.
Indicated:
h=3 m=23
